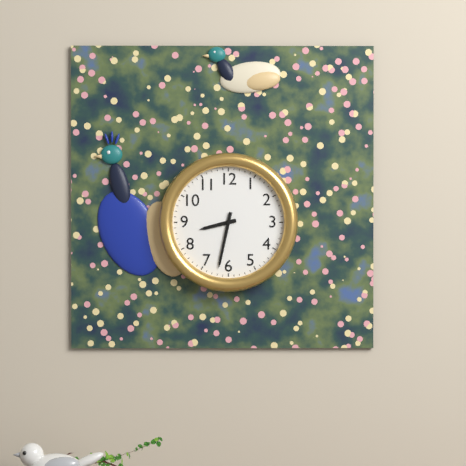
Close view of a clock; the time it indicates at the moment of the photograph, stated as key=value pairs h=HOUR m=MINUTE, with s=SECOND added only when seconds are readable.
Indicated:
h=8 m=32
